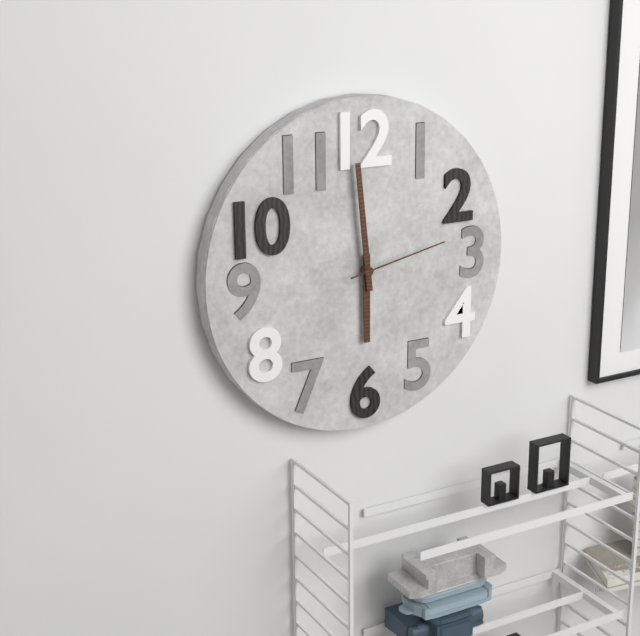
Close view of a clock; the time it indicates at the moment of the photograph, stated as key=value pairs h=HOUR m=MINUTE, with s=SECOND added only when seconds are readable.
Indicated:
h=5 m=59 s=13
